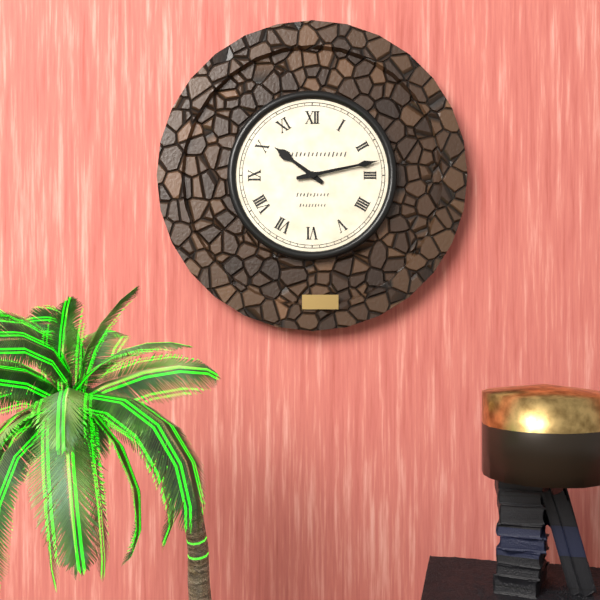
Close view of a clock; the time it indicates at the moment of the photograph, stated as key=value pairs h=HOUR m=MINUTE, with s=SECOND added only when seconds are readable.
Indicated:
h=10 m=13
